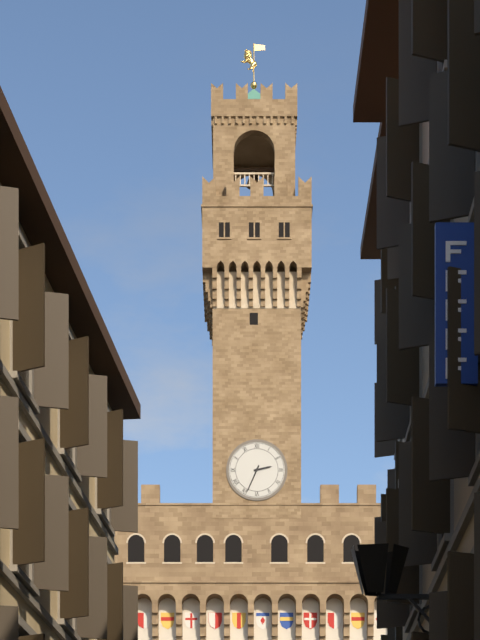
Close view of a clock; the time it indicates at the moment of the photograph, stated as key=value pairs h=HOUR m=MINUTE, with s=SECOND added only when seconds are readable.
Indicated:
h=2 m=34
